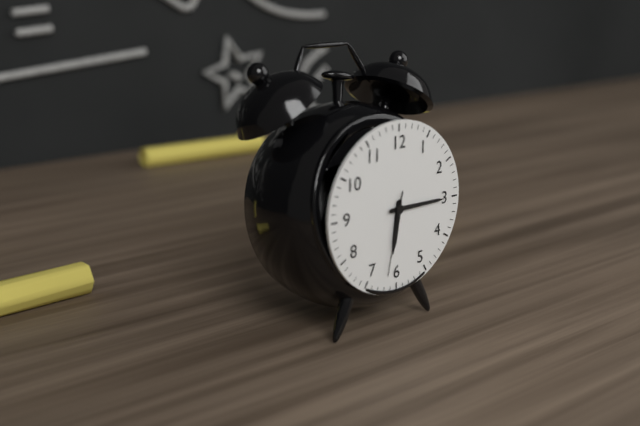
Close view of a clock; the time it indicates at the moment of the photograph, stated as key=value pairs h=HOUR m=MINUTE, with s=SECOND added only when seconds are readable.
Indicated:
h=6 m=15 s=32
